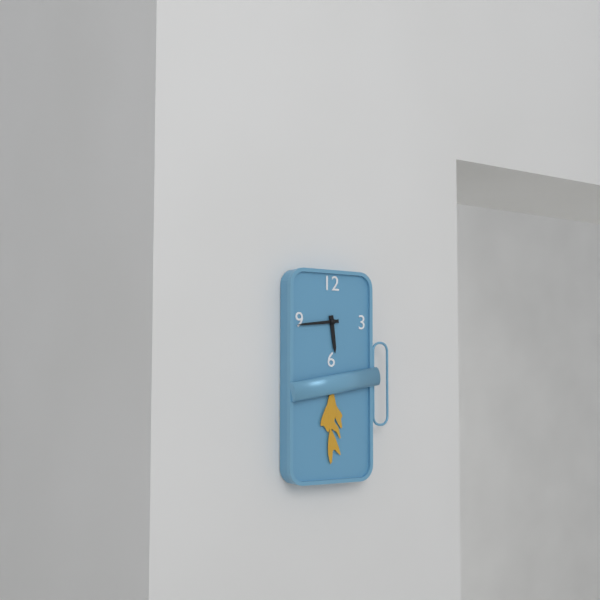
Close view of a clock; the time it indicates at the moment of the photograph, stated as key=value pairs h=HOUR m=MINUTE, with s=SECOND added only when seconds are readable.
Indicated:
h=5 m=44
